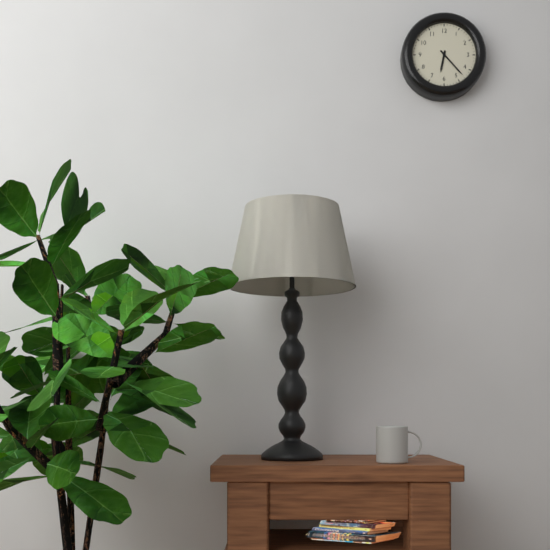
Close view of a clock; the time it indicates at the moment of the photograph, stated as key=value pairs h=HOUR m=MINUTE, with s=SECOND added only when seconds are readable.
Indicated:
h=6 m=23
